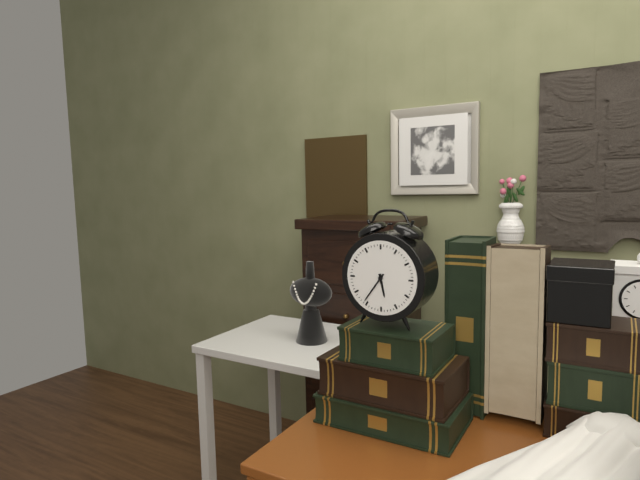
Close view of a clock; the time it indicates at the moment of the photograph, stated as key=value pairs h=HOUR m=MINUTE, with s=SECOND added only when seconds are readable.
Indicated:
h=5 m=36
